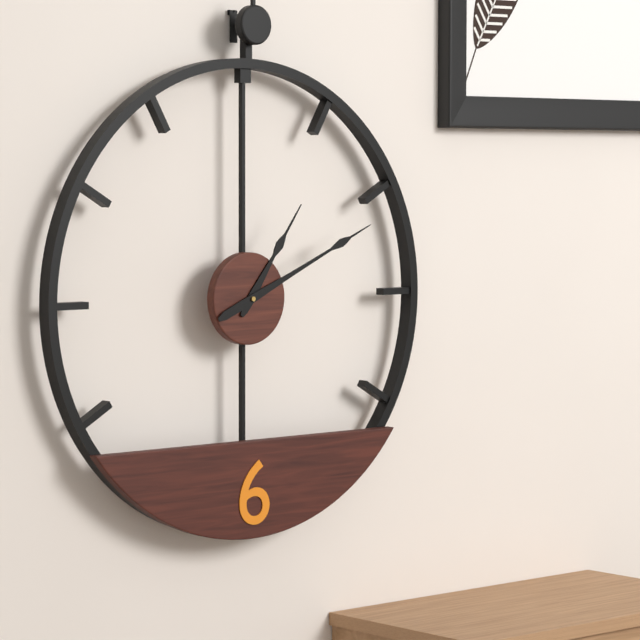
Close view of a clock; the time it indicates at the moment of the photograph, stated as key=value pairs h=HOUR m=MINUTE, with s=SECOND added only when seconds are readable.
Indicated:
h=1 m=11
